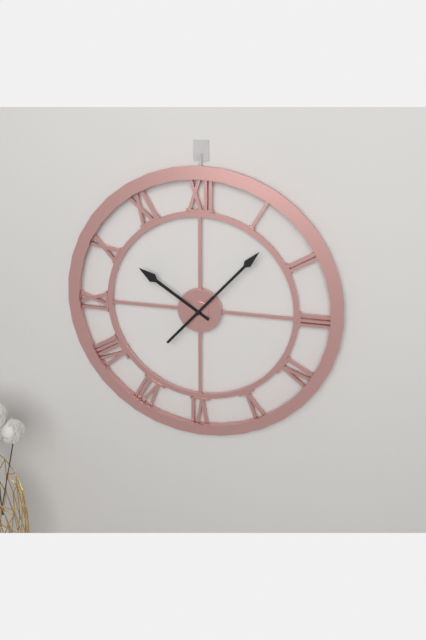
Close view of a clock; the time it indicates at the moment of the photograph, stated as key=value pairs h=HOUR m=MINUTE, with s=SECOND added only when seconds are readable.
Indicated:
h=10 m=7
